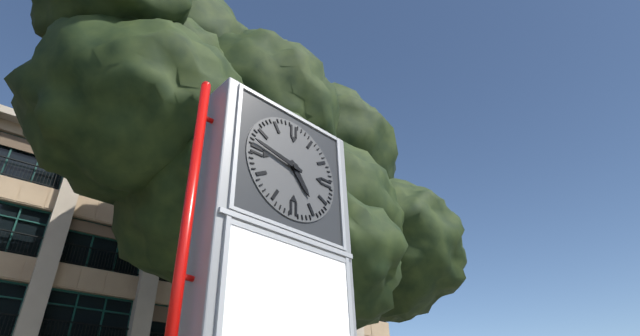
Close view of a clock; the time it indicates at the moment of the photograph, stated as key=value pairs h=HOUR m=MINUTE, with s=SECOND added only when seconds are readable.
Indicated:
h=4 m=47
